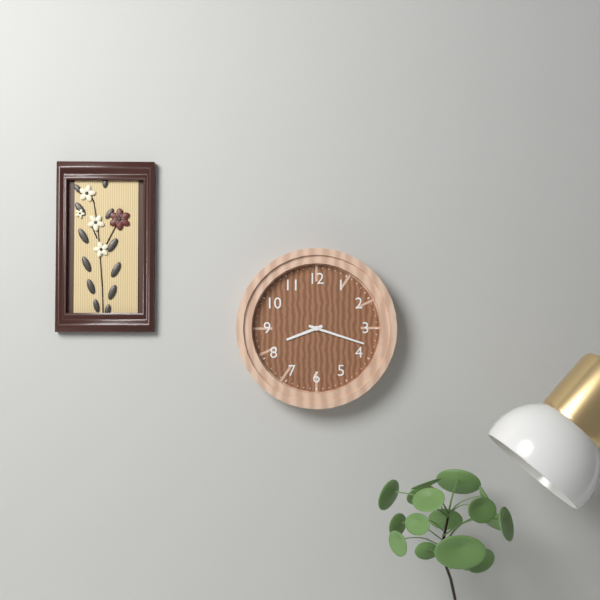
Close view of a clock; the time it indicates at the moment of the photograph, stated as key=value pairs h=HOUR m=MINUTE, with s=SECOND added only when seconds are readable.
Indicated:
h=8 m=18
